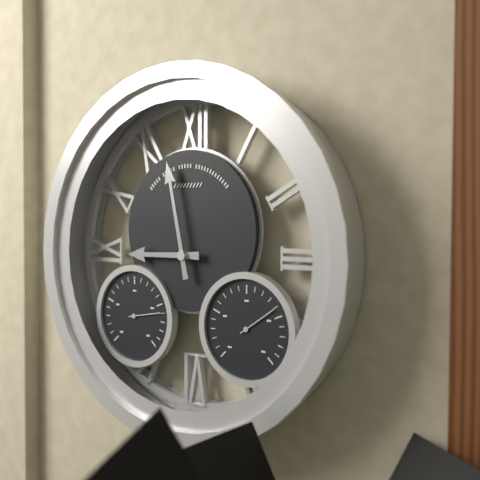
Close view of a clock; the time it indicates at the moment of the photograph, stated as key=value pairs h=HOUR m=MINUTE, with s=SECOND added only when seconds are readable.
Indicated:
h=8 m=58
